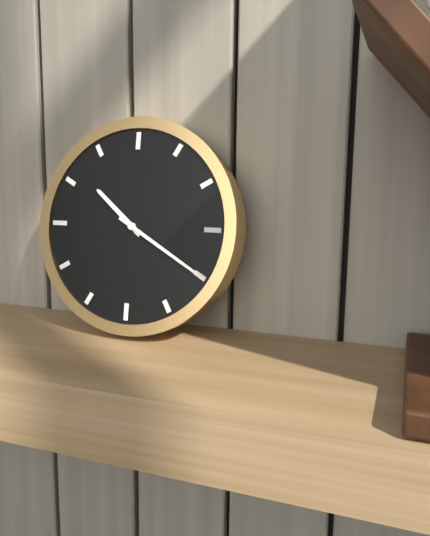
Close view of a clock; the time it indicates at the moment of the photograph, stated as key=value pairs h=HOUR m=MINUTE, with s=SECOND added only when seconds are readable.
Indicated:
h=10 m=20
